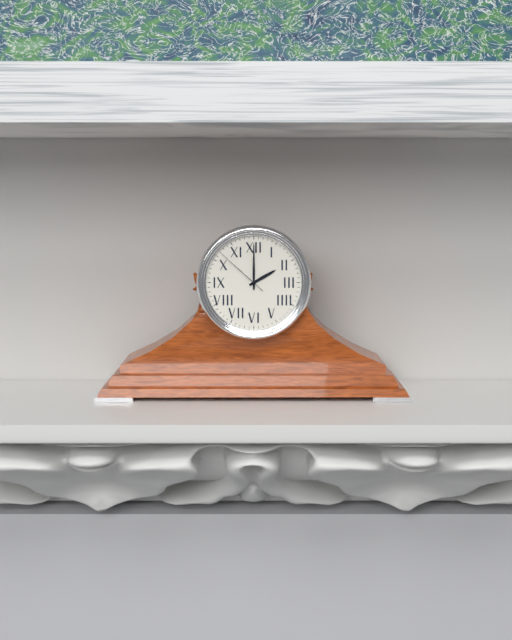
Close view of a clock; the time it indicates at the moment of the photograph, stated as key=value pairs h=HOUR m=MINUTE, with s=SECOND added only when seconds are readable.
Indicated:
h=2 m=0 s=52
